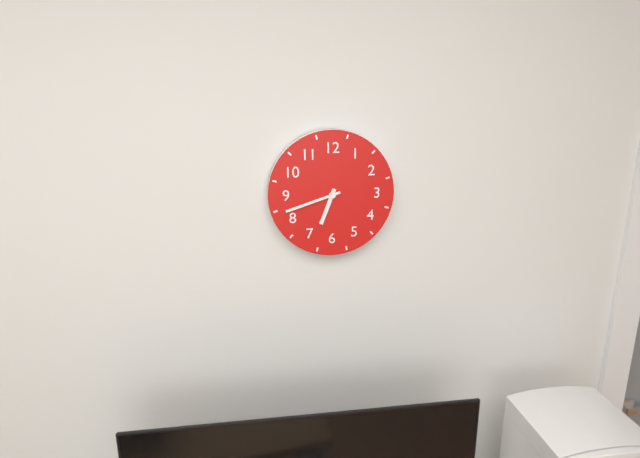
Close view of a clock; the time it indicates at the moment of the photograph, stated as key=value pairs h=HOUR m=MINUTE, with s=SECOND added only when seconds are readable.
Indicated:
h=6 m=42
